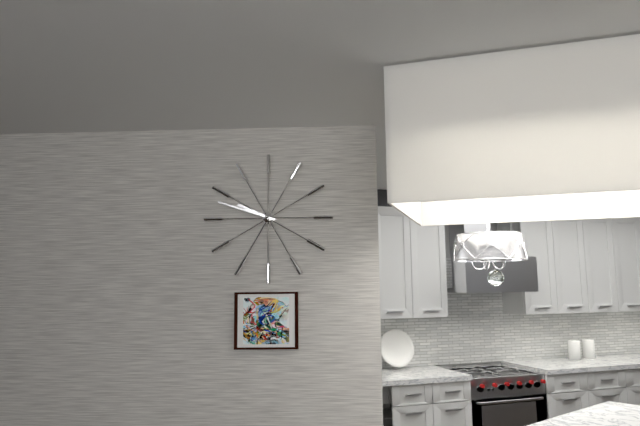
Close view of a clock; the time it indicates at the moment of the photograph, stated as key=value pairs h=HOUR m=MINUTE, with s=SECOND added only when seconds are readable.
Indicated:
h=9 m=48
